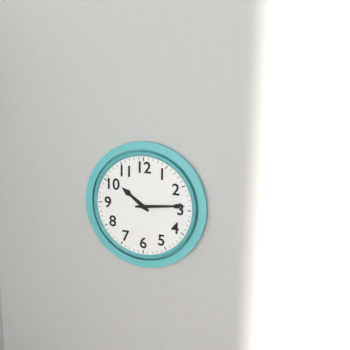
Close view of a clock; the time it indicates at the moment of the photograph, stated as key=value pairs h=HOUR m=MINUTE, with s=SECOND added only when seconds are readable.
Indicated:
h=10 m=14
